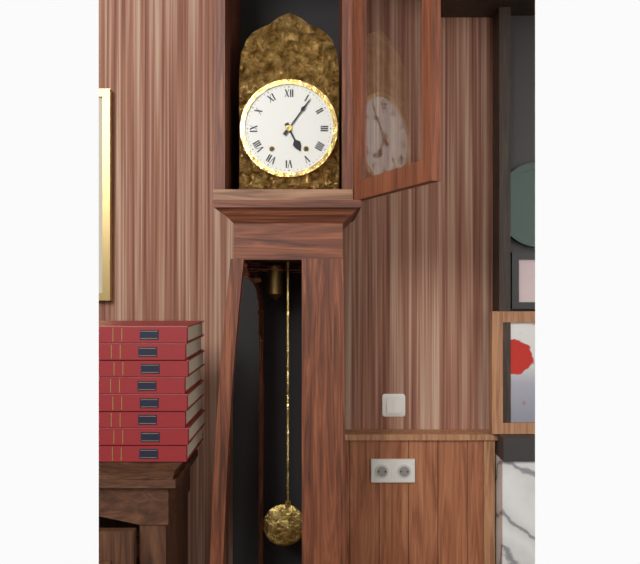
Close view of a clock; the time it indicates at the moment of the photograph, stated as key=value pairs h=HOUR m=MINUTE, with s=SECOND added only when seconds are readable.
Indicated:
h=5 m=6
